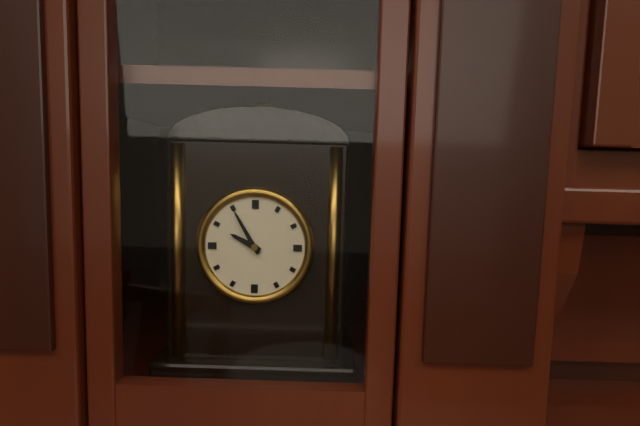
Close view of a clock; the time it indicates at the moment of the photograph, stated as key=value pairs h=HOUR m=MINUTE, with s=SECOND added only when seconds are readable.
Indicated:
h=9 m=55
